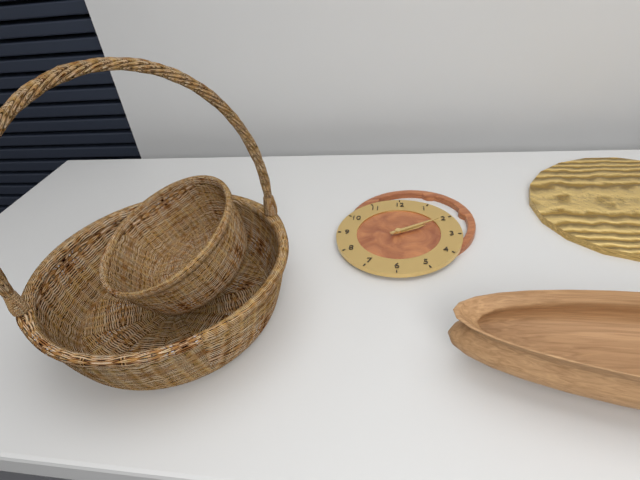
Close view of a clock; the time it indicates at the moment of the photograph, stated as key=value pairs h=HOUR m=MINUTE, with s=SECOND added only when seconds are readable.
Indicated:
h=2 m=10
